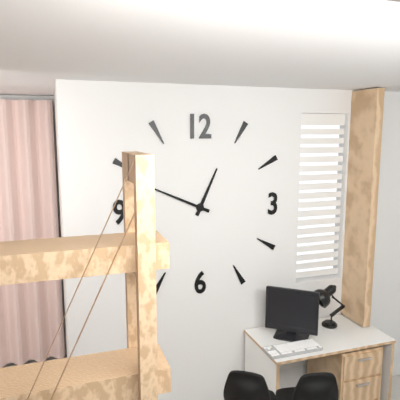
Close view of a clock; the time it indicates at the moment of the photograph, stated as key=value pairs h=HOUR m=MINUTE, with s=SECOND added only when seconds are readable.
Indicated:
h=12 m=49
